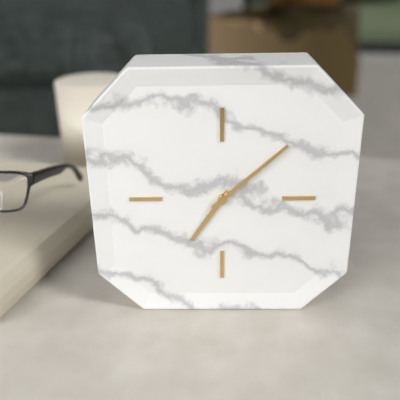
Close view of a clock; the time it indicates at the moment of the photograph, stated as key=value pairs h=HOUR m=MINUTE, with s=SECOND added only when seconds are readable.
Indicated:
h=7 m=8
